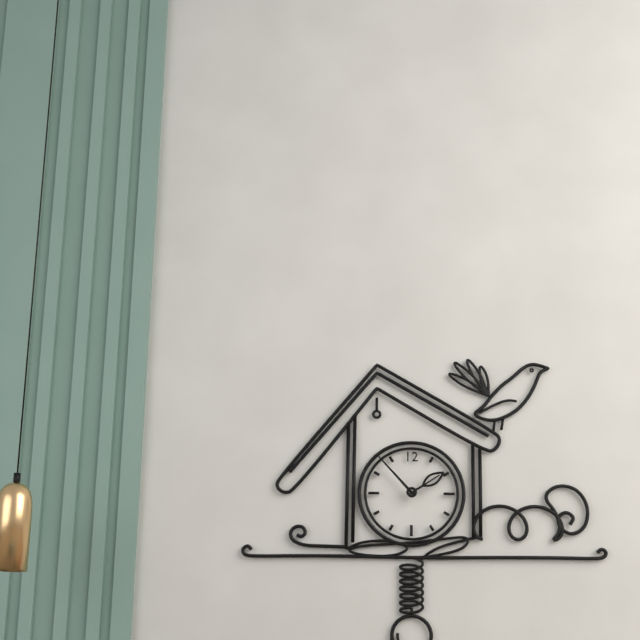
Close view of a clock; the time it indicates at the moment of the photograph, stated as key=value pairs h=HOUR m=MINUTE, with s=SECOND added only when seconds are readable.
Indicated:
h=1 m=53
